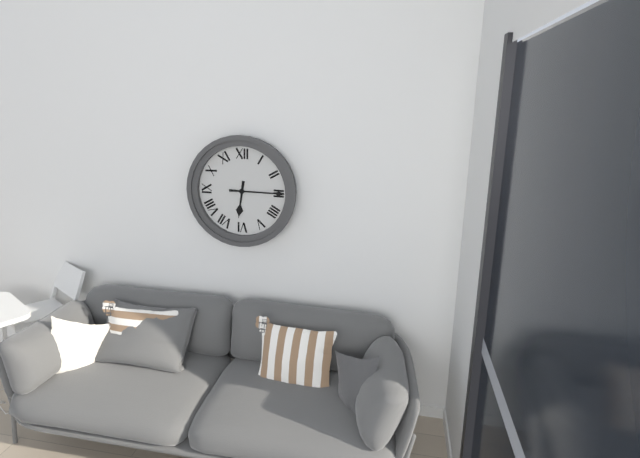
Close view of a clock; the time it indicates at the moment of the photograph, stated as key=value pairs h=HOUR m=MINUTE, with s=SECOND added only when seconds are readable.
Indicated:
h=6 m=15
